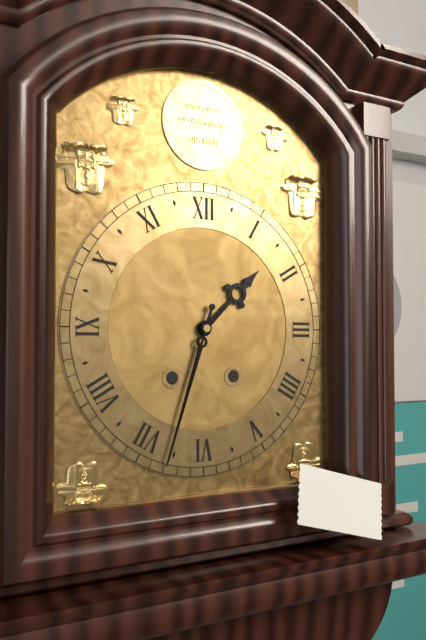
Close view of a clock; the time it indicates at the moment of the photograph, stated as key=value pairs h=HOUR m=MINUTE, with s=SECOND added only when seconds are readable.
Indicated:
h=1 m=33
